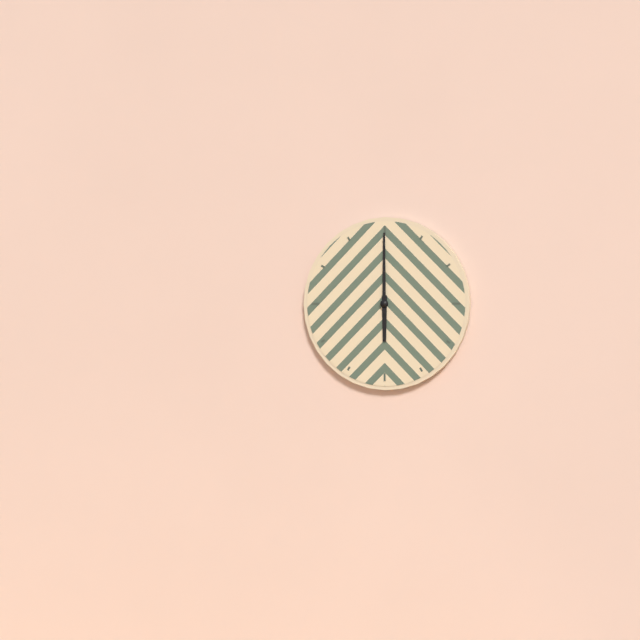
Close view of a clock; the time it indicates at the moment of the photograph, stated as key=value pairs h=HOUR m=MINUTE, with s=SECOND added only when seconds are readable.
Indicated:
h=6 m=0
